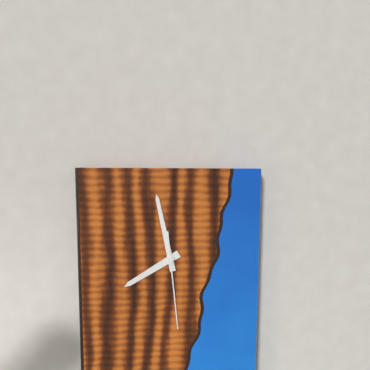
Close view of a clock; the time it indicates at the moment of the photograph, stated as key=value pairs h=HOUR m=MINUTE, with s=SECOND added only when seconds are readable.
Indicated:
h=7 m=58 s=29
